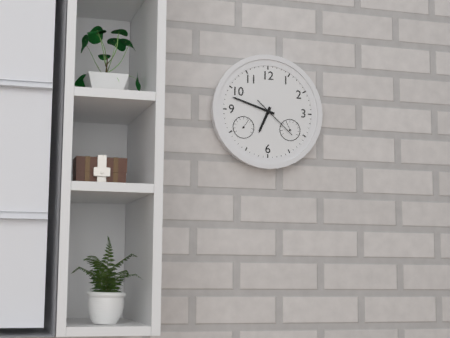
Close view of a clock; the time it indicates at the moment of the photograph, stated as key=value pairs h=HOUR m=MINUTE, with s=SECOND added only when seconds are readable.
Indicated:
h=6 m=48
